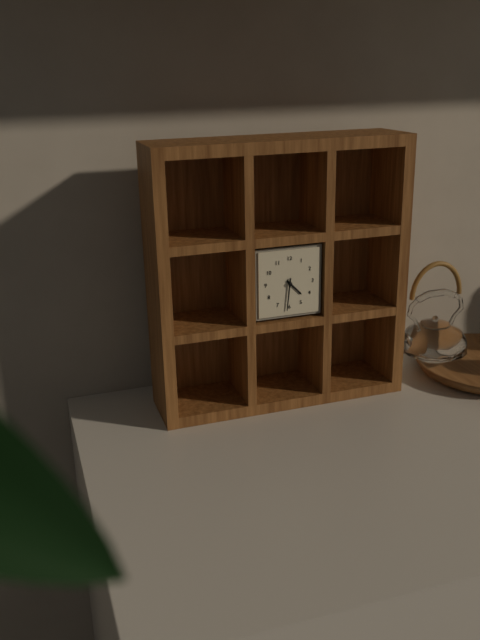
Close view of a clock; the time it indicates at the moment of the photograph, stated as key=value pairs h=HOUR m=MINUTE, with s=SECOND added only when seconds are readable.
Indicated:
h=4 m=31
